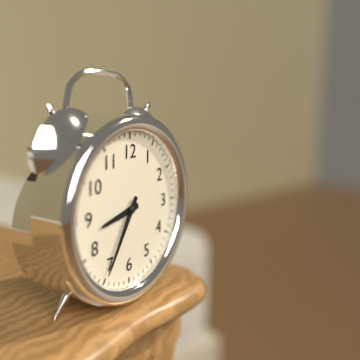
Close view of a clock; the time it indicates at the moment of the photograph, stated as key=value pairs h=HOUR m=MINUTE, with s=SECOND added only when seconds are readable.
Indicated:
h=8 m=35
